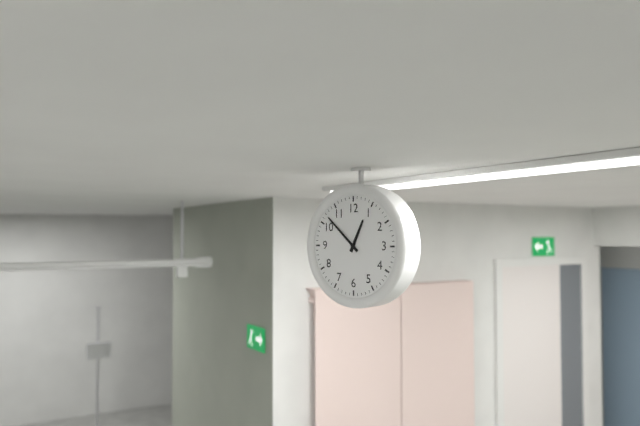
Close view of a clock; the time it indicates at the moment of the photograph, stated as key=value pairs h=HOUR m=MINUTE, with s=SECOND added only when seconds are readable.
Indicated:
h=12 m=52
